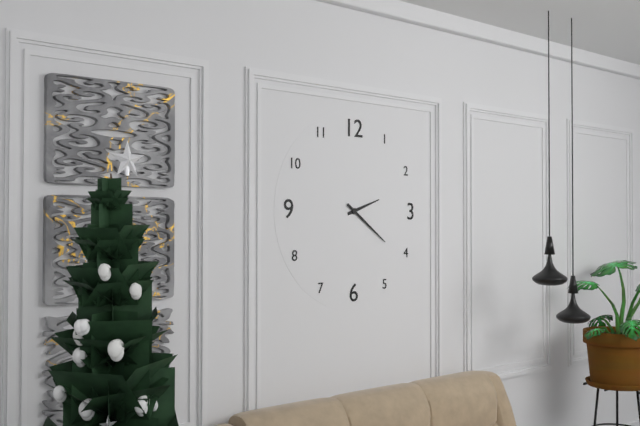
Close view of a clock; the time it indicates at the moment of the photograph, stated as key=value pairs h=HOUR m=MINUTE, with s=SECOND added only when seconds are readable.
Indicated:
h=2 m=21
